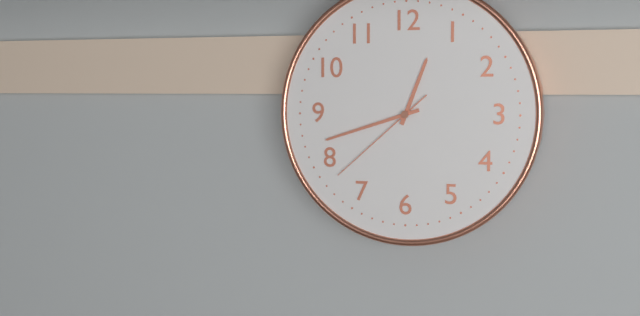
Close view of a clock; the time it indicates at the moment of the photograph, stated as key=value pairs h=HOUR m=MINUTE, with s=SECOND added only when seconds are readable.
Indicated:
h=12 m=42 s=38
